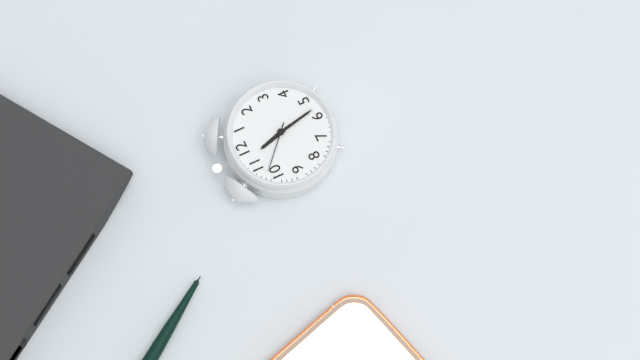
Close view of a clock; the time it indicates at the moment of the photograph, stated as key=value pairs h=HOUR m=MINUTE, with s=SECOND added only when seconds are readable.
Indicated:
h=11 m=28 s=52
